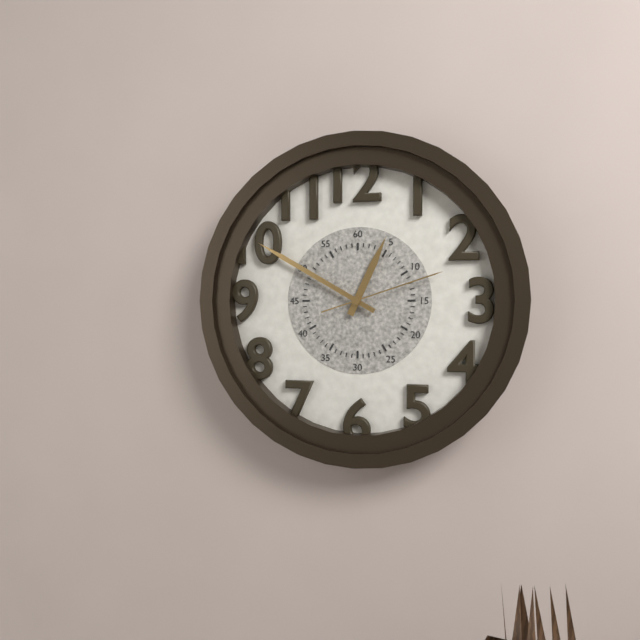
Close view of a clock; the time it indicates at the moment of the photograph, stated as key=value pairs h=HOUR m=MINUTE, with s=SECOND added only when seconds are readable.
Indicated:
h=12 m=50 s=12
